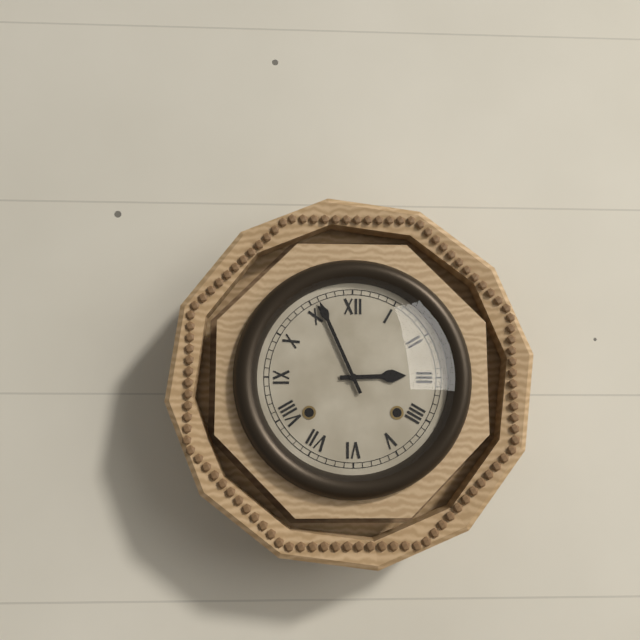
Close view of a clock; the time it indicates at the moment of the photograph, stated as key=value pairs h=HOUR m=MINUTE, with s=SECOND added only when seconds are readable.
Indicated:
h=2 m=56
